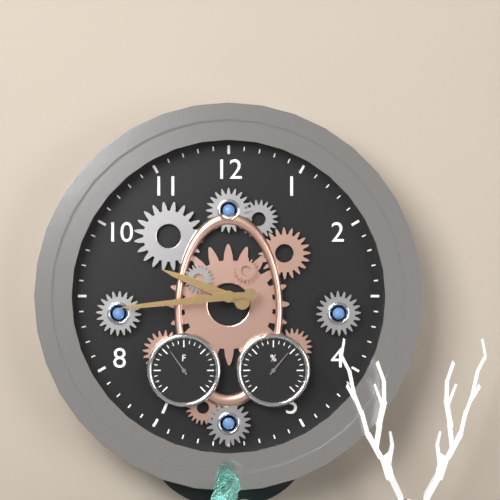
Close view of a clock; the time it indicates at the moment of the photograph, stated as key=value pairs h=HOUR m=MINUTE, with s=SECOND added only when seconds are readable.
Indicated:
h=9 m=44
